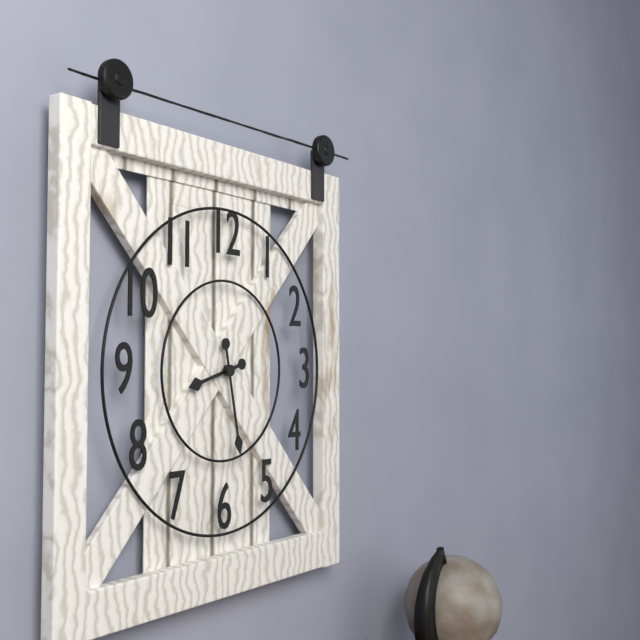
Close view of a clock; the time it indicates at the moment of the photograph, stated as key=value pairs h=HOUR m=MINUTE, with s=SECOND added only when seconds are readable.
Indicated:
h=8 m=28
